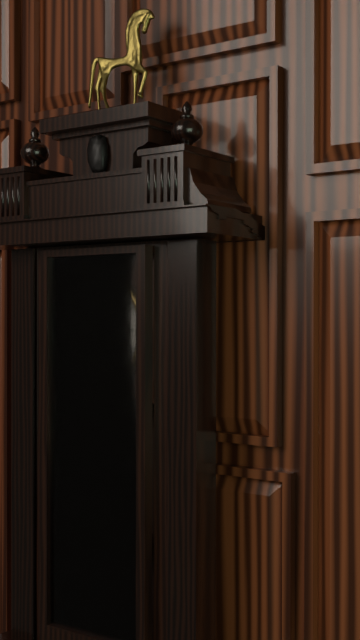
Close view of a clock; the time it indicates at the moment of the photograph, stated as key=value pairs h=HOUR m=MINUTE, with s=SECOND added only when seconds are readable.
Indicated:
h=5 m=49
